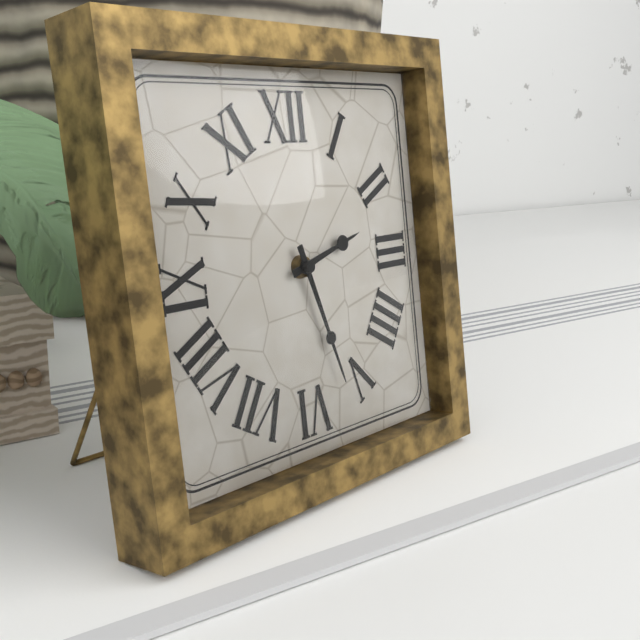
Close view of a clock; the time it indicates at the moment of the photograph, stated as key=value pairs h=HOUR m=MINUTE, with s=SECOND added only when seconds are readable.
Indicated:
h=2 m=27
